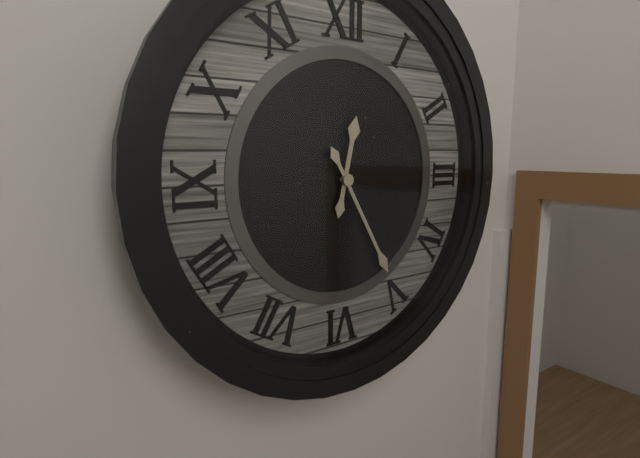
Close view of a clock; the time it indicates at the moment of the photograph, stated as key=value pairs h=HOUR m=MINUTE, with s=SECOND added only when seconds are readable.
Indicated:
h=12 m=25
